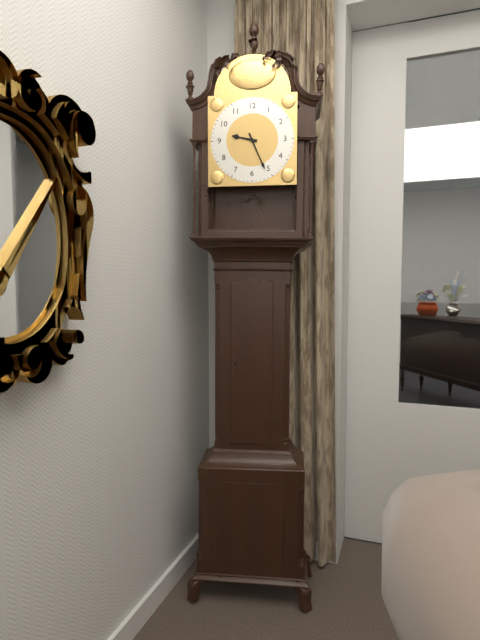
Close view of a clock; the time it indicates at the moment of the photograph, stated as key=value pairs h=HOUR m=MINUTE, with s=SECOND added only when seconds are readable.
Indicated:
h=9 m=26
